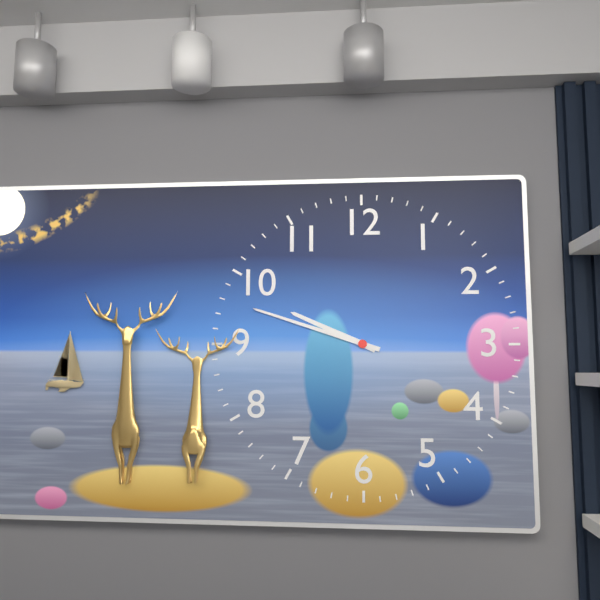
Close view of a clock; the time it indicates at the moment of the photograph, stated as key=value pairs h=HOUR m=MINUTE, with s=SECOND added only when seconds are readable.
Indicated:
h=9 m=48
